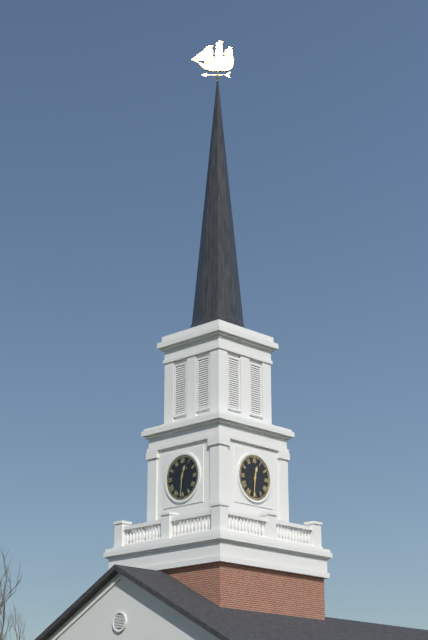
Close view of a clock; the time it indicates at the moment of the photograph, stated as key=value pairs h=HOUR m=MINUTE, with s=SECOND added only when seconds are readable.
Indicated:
h=12 m=31
